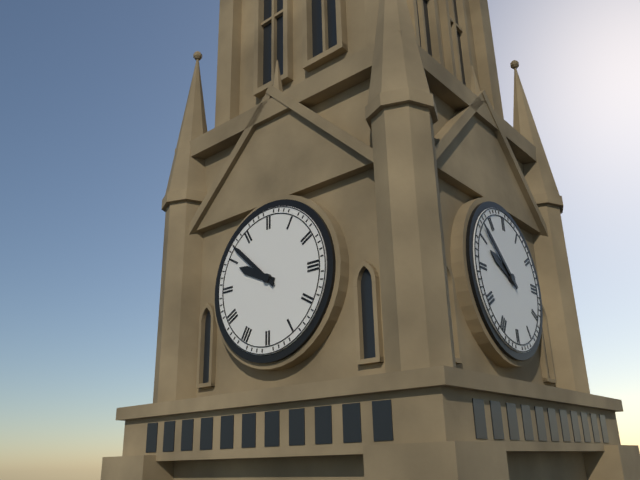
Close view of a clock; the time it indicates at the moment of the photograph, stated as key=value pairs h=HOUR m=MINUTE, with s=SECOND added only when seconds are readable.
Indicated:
h=9 m=52
